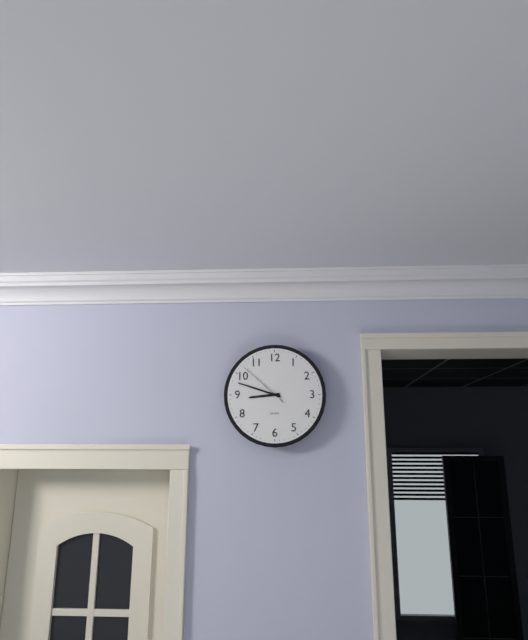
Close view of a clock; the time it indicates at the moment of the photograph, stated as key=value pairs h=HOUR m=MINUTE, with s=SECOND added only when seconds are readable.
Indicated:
h=8 m=48 s=52
